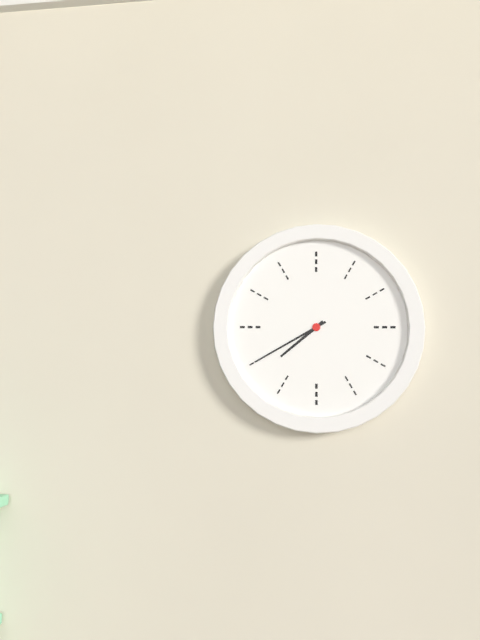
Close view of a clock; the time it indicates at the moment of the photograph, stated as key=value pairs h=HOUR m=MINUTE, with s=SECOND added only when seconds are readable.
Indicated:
h=7 m=40
